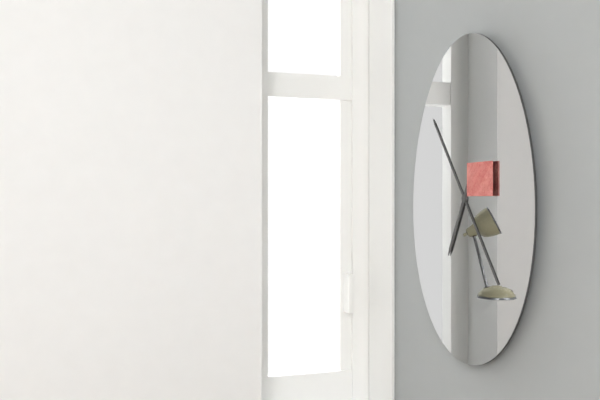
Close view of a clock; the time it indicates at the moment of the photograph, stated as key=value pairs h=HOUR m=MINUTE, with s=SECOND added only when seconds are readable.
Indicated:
h=6 m=54
